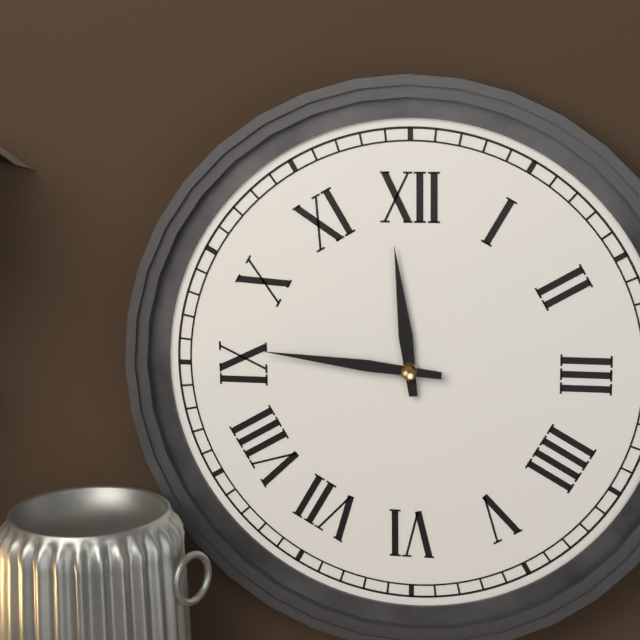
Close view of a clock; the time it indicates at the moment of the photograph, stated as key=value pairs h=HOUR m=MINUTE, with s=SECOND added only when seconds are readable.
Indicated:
h=11 m=46
